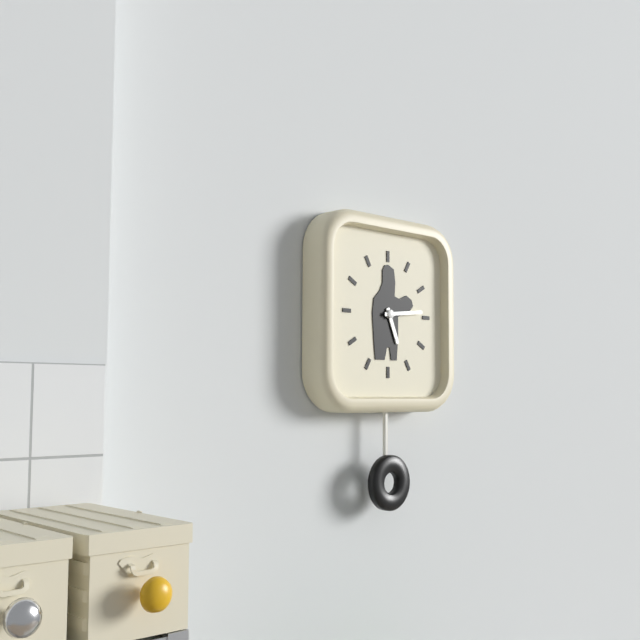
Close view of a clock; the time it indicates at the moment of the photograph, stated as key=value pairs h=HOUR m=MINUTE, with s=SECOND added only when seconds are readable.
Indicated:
h=5 m=14
